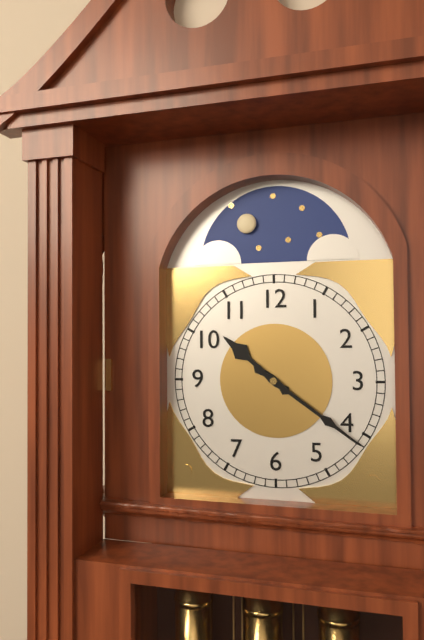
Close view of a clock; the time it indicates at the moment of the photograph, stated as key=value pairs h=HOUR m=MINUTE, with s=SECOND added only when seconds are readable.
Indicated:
h=10 m=21
